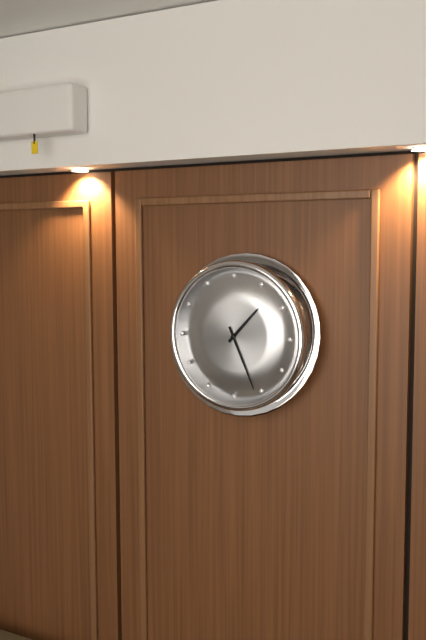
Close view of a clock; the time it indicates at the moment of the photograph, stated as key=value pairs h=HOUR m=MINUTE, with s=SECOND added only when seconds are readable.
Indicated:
h=1 m=26
